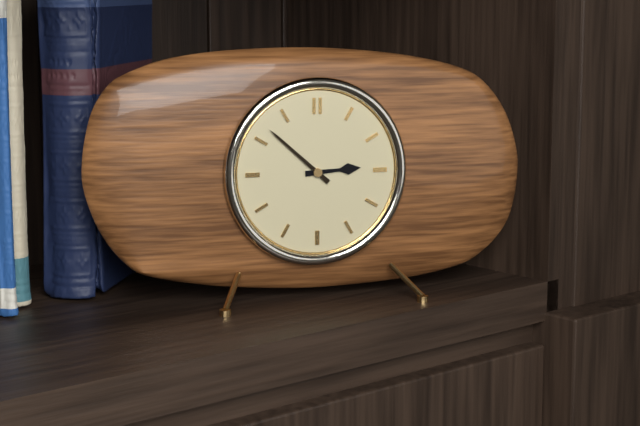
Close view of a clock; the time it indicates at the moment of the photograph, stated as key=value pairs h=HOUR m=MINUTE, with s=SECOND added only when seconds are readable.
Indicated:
h=2 m=52
